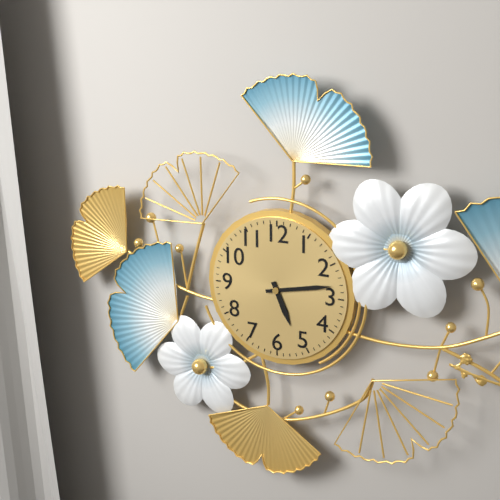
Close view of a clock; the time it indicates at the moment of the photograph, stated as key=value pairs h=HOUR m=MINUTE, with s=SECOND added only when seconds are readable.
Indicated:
h=5 m=13
